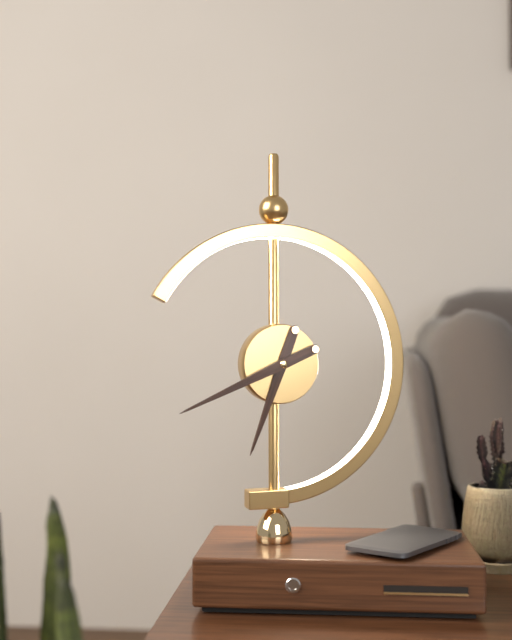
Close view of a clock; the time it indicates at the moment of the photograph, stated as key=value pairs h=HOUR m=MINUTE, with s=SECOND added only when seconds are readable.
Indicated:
h=6 m=41
